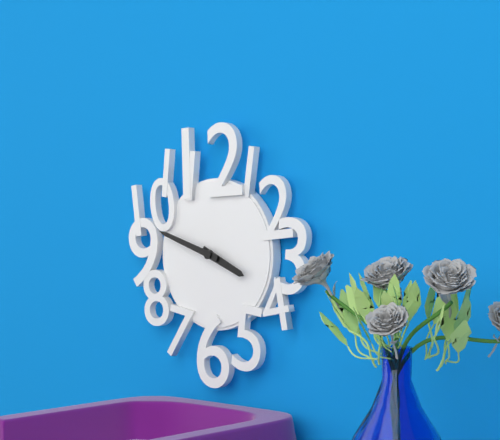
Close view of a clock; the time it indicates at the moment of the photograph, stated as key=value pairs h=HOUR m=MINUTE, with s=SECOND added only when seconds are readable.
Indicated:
h=3 m=48
